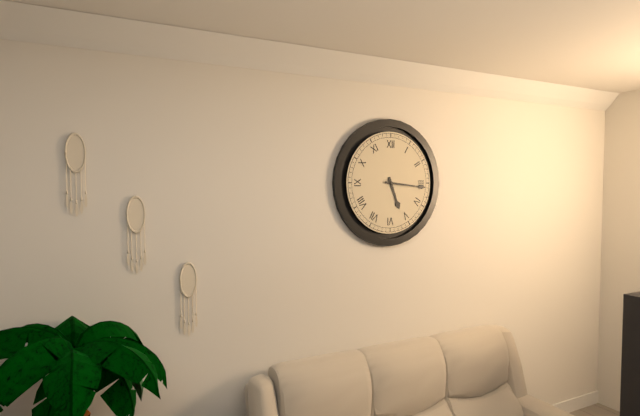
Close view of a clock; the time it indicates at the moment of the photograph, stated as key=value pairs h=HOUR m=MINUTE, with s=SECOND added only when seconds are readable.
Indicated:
h=5 m=16
